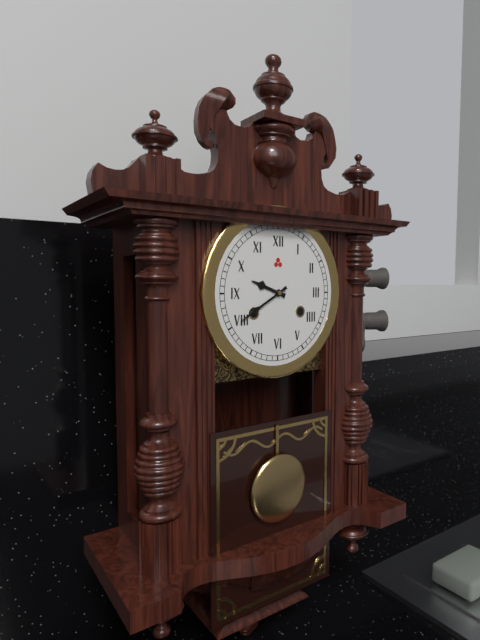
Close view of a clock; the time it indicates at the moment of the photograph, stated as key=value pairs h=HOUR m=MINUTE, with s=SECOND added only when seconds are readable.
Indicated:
h=9 m=40
